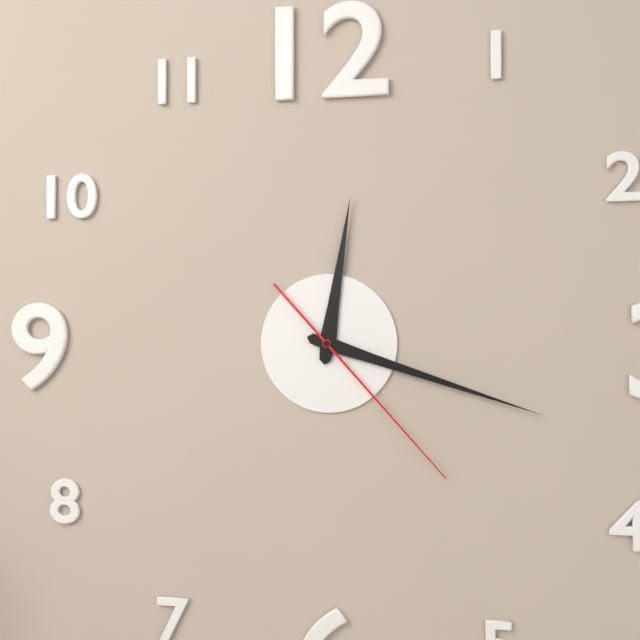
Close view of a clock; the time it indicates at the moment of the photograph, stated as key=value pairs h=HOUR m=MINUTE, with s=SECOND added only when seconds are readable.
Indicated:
h=12 m=18 s=23
